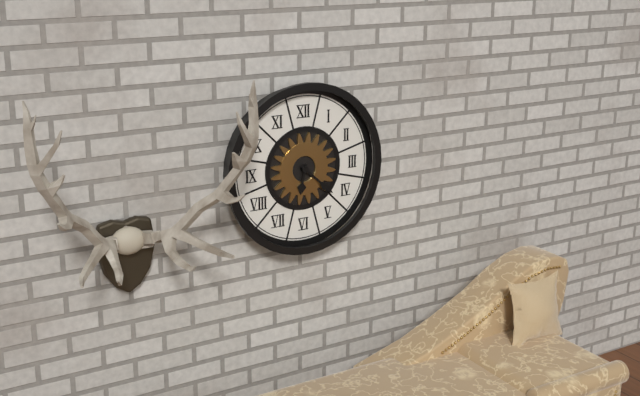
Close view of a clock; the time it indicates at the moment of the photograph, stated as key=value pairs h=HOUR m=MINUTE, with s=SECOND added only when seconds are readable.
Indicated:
h=6 m=22
